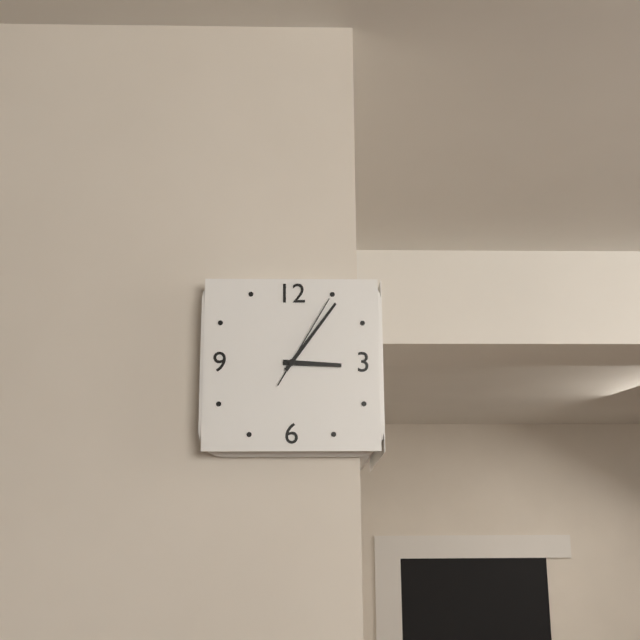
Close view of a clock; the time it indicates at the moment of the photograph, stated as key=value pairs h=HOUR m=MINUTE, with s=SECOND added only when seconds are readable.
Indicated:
h=3 m=6 s=5
